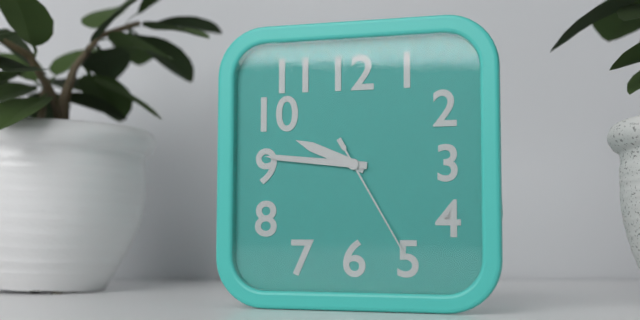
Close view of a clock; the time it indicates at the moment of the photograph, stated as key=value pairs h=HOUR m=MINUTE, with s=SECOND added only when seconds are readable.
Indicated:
h=9 m=46 s=25
